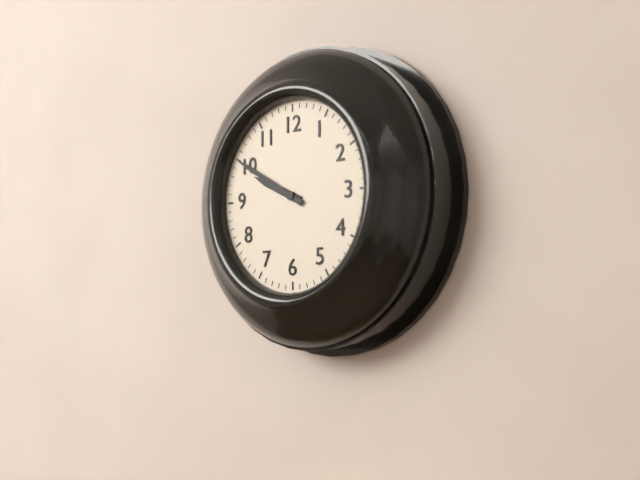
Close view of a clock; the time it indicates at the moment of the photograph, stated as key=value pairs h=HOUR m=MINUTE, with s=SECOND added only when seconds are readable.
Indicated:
h=9 m=50
